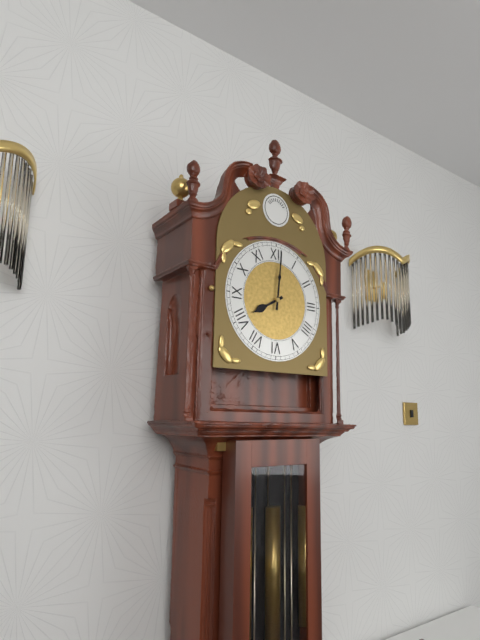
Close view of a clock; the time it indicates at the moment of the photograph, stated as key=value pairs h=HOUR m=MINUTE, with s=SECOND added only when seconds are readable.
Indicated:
h=8 m=1
